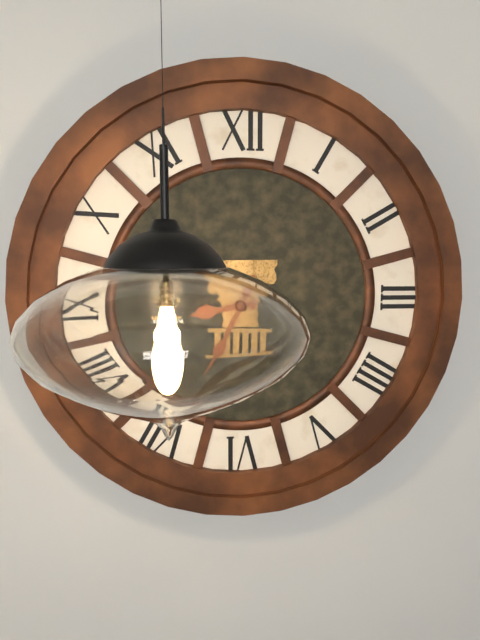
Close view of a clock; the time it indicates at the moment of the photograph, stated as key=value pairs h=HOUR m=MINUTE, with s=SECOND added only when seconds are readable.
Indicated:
h=8 m=34
